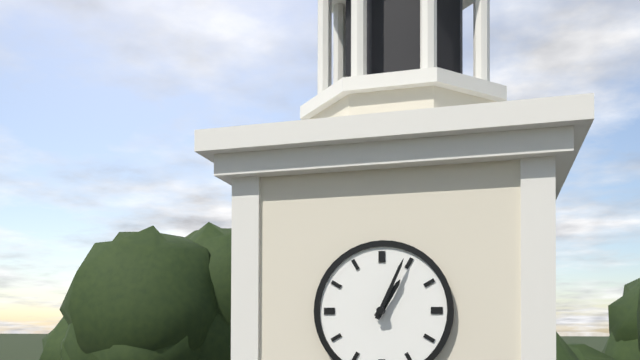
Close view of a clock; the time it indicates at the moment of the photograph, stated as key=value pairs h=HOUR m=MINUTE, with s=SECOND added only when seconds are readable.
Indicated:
h=1 m=4
